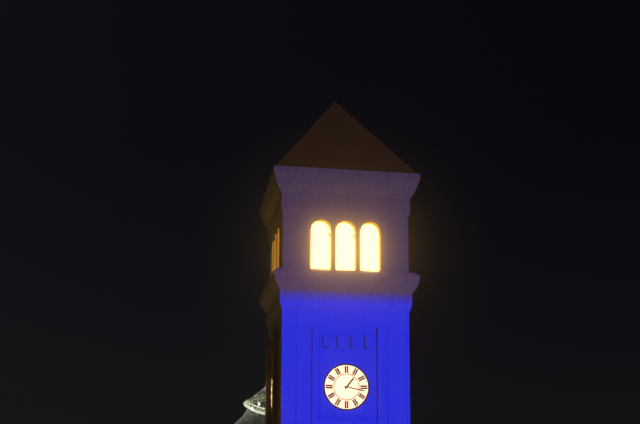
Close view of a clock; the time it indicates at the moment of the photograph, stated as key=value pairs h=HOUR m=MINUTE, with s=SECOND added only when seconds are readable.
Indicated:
h=1 m=17
